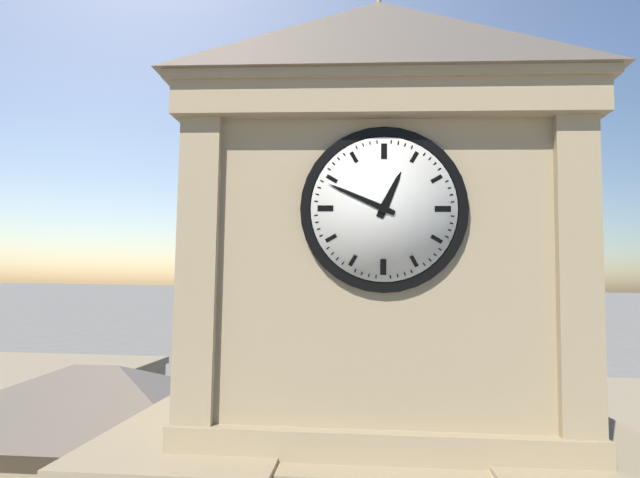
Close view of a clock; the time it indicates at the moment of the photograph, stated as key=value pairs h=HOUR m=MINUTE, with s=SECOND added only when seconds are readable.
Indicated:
h=12 m=49
